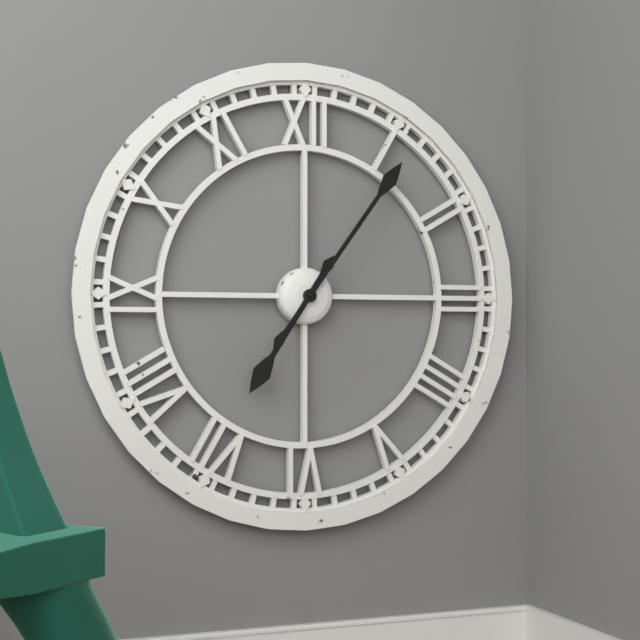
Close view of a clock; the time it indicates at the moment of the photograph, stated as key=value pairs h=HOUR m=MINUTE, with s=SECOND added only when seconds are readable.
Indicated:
h=7 m=6
